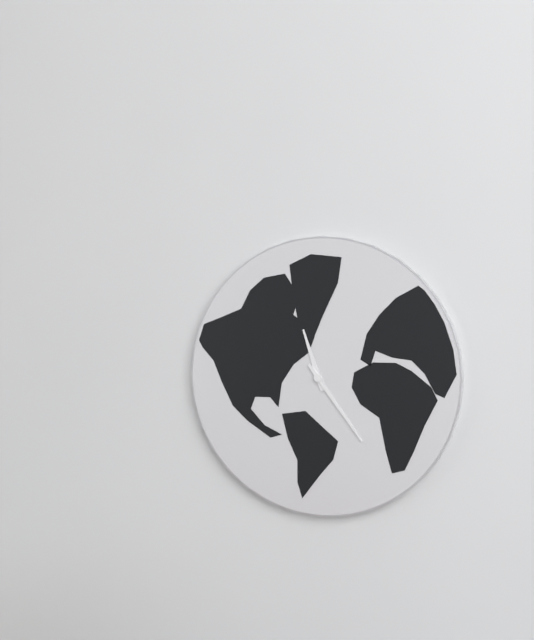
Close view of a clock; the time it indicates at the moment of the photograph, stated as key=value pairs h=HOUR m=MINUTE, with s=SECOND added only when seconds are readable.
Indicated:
h=11 m=24
